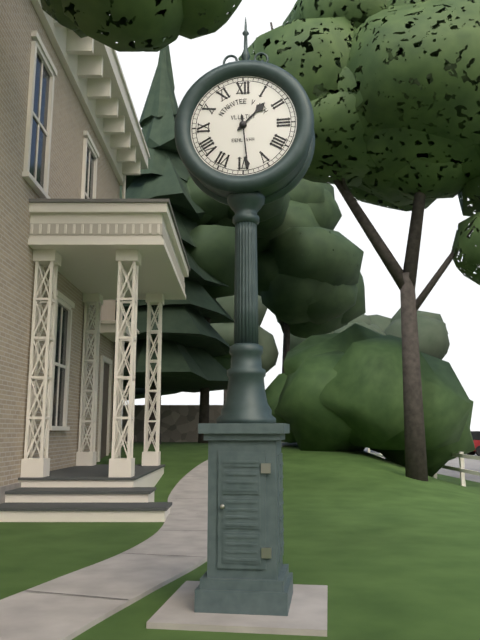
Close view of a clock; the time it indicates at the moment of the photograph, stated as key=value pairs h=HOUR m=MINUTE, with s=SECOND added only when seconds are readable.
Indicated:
h=1 m=29
